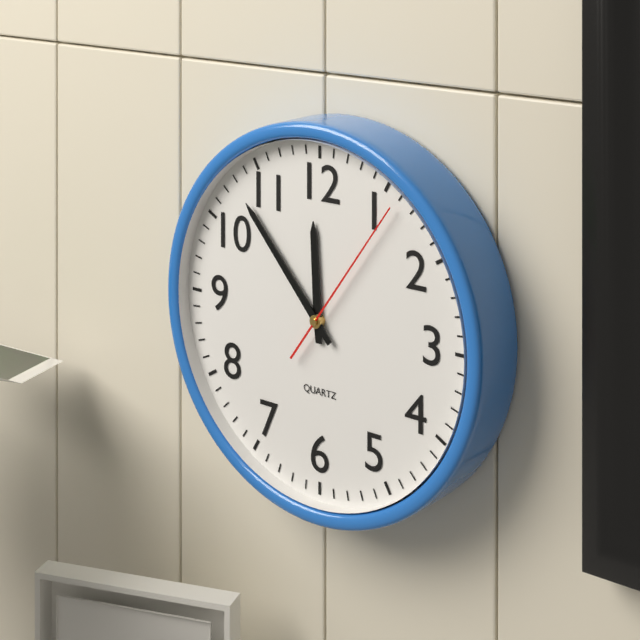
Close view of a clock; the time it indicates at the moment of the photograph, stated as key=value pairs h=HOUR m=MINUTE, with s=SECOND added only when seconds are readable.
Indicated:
h=11 m=53 s=6
